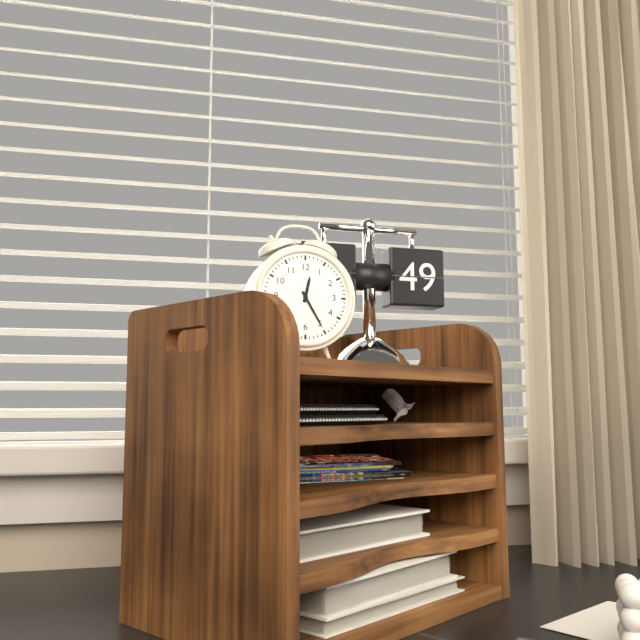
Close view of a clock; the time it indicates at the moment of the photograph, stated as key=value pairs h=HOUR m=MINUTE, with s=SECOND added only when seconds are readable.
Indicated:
h=12 m=25
